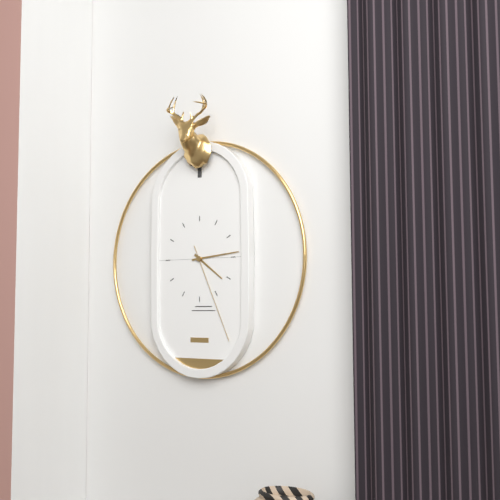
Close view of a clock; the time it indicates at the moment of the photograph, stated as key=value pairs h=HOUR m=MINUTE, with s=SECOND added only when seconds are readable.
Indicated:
h=4 m=14 s=26
